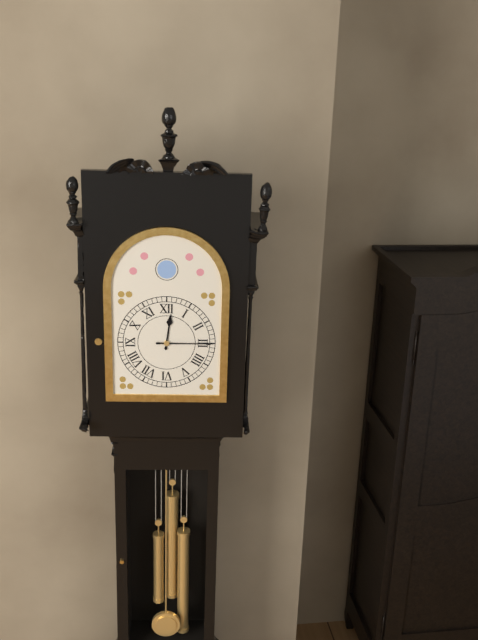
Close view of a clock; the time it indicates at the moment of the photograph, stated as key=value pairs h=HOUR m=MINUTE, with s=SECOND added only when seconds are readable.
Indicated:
h=12 m=15
